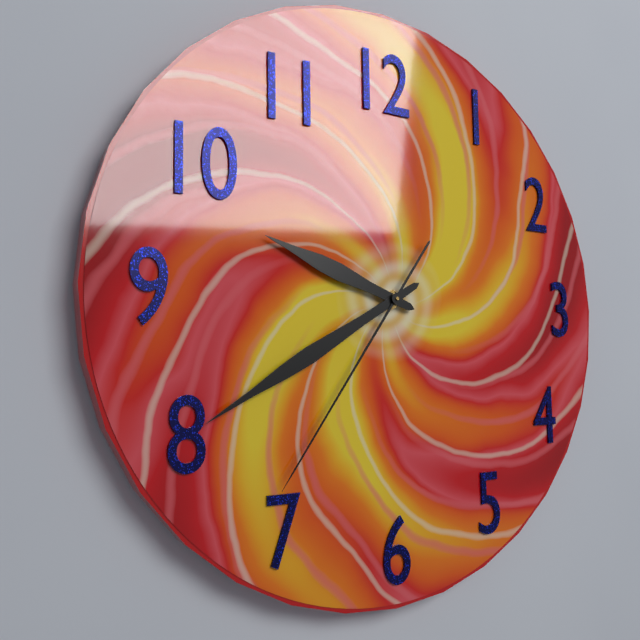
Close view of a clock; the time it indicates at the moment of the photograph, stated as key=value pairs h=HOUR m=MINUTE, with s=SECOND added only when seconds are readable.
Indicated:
h=9 m=40 s=36
